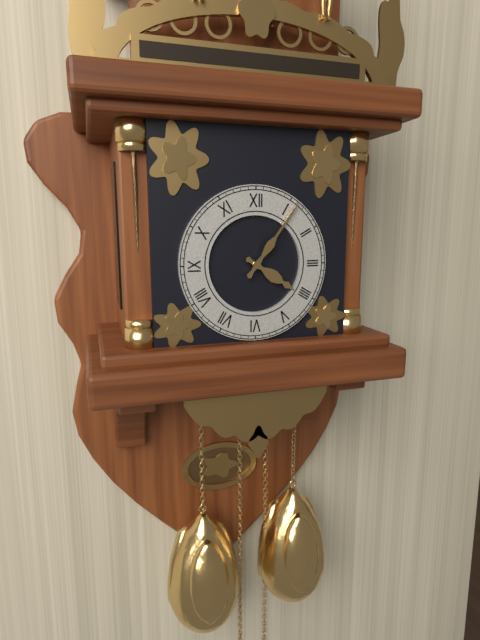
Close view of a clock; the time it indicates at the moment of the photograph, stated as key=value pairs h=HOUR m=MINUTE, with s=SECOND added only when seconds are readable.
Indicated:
h=4 m=6
